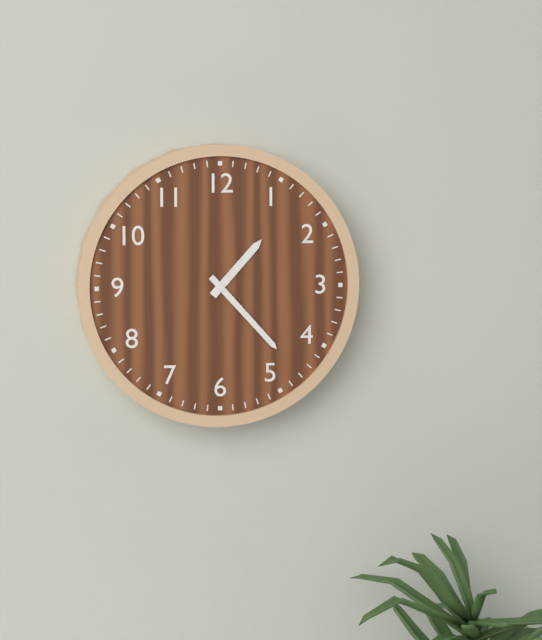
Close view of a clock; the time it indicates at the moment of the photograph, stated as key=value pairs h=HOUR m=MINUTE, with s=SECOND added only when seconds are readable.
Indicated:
h=1 m=23
